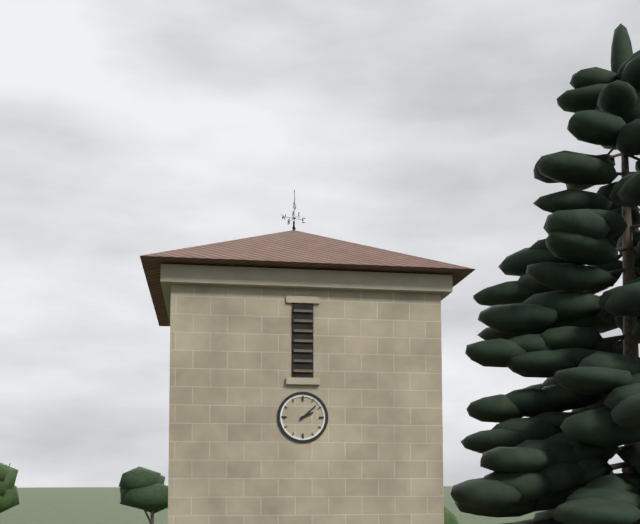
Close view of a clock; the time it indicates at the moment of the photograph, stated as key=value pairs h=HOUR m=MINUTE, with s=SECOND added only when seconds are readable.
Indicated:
h=2 m=8
